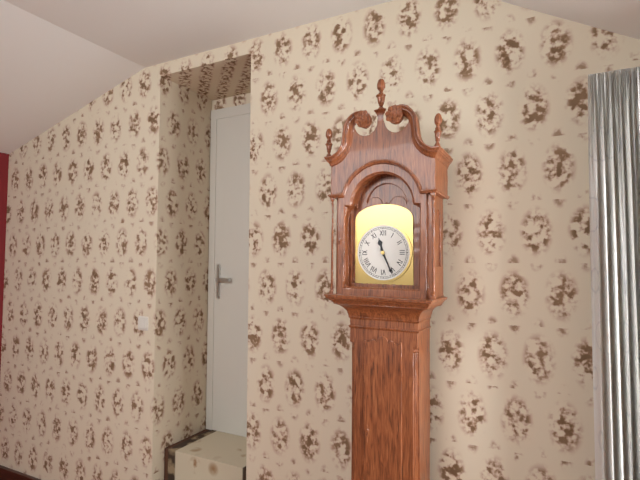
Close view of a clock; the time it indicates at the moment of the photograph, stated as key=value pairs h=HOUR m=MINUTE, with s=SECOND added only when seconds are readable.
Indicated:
h=11 m=26
